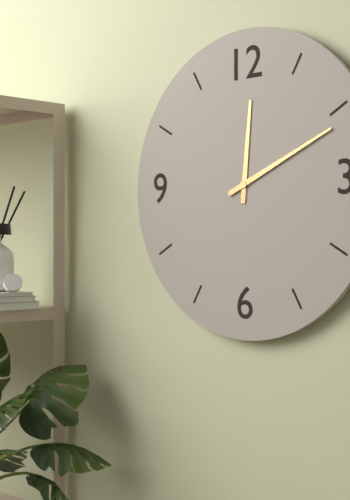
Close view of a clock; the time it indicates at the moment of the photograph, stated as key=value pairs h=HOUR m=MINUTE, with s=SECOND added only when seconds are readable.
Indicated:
h=12 m=11
